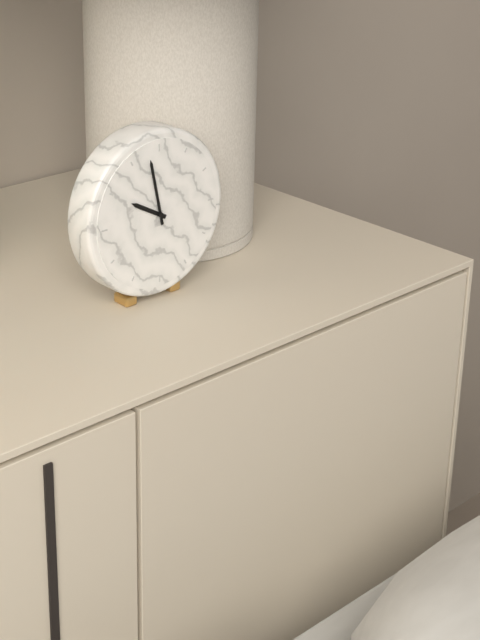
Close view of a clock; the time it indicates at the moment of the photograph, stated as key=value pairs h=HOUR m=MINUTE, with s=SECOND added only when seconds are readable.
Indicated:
h=9 m=58
